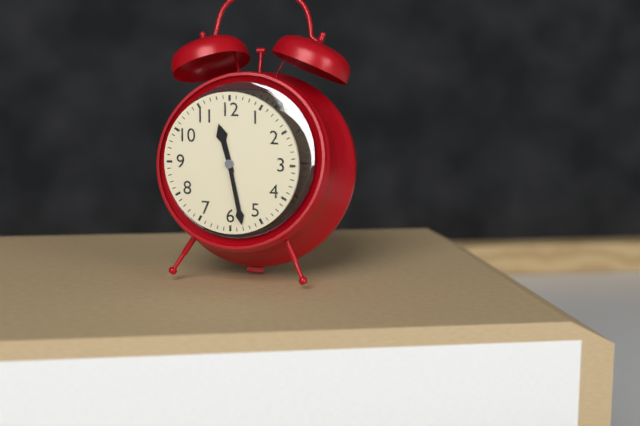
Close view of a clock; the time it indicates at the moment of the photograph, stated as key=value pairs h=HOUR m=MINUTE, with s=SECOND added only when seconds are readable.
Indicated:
h=11 m=28
